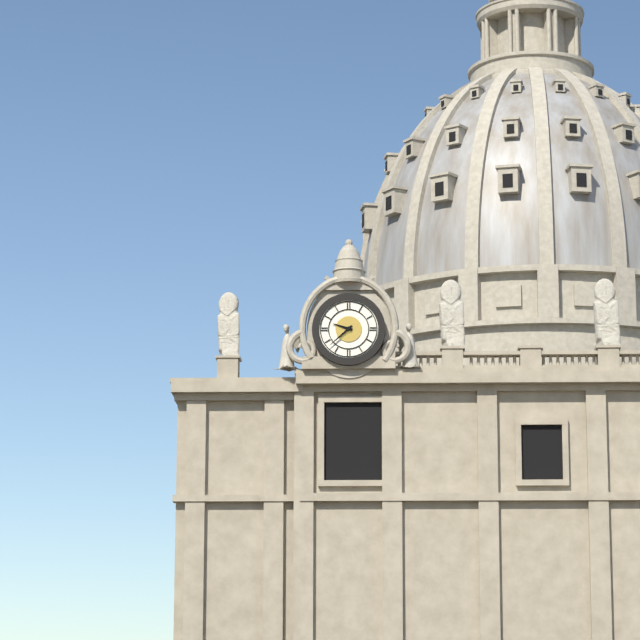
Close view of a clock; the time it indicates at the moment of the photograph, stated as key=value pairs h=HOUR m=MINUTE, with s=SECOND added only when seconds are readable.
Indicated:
h=9 m=38
